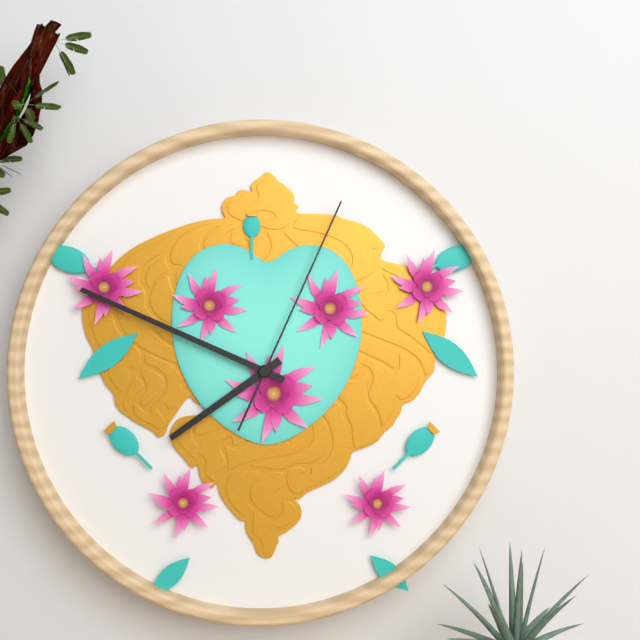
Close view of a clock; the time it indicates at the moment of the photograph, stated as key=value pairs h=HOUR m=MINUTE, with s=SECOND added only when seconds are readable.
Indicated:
h=7 m=49 s=4
